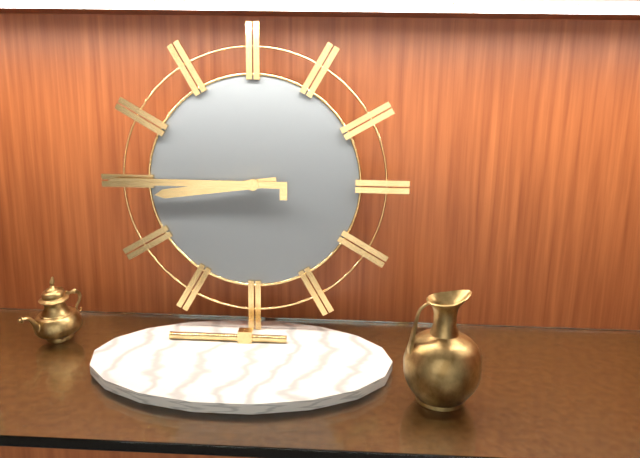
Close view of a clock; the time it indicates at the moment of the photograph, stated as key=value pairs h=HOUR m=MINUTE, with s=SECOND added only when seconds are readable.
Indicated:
h=8 m=45
